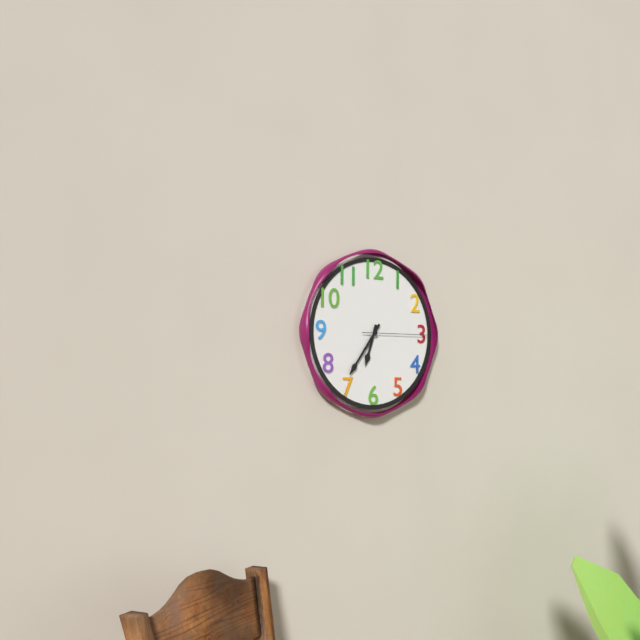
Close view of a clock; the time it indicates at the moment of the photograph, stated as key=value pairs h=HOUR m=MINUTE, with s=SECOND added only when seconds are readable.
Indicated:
h=6 m=36 s=15
